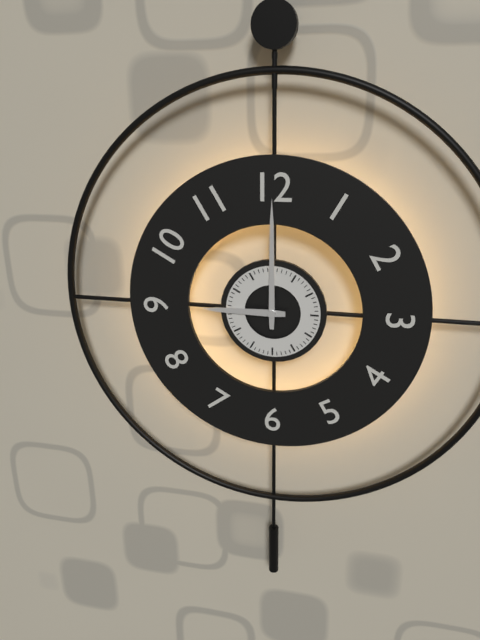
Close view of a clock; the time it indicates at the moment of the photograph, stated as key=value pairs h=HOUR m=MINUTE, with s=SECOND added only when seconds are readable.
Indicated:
h=9 m=0
